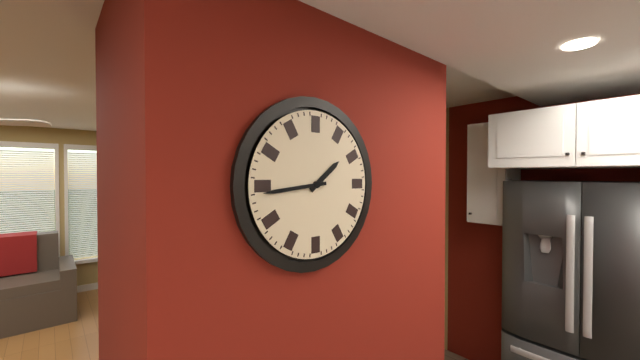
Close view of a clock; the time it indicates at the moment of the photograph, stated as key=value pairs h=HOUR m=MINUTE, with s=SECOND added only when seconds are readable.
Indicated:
h=1 m=44
